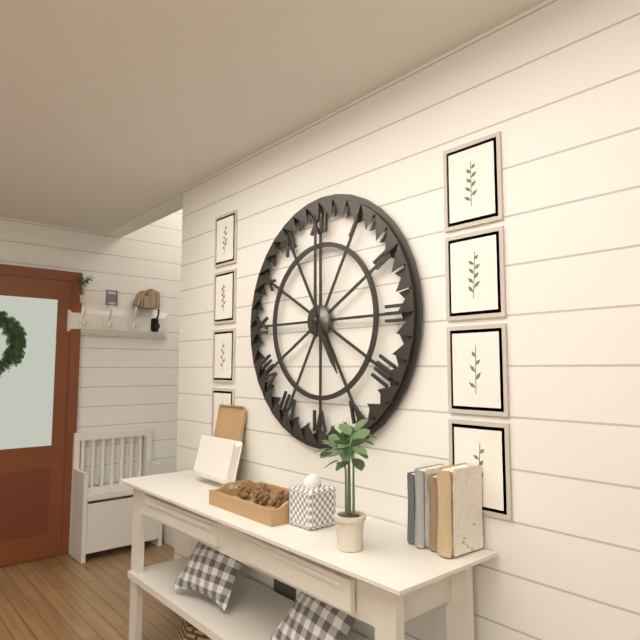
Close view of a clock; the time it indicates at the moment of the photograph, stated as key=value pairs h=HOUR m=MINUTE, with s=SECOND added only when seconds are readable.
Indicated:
h=5 m=0
